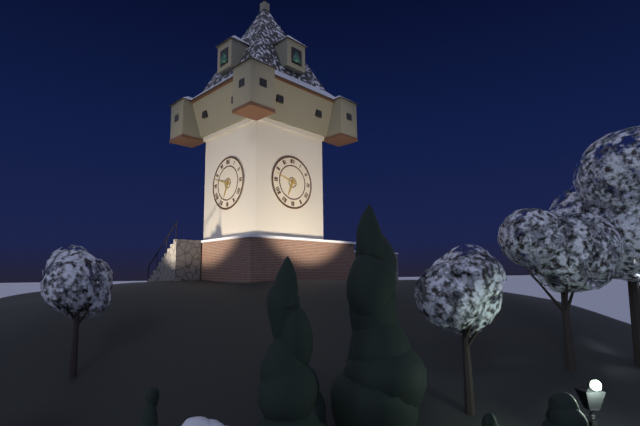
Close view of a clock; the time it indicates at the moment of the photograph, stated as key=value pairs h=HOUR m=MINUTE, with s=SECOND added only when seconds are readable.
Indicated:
h=6 m=48
